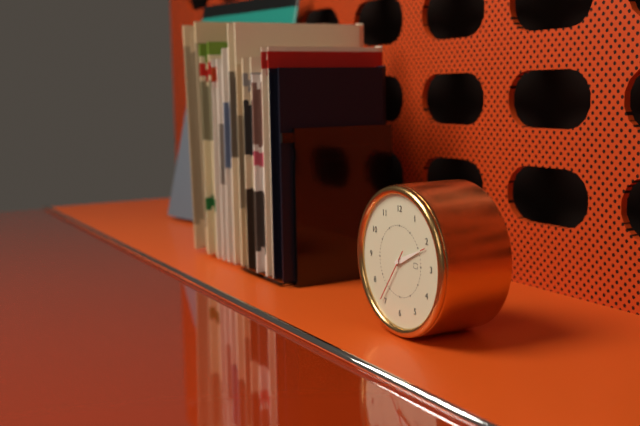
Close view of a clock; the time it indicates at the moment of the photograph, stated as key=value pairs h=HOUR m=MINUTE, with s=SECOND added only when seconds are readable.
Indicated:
h=2 m=11 s=36
